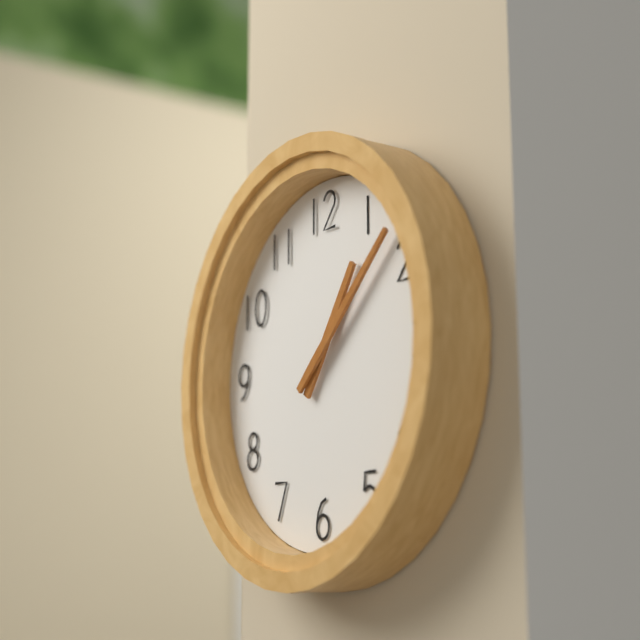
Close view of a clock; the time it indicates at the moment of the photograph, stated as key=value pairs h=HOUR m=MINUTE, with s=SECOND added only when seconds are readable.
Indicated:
h=1 m=8
